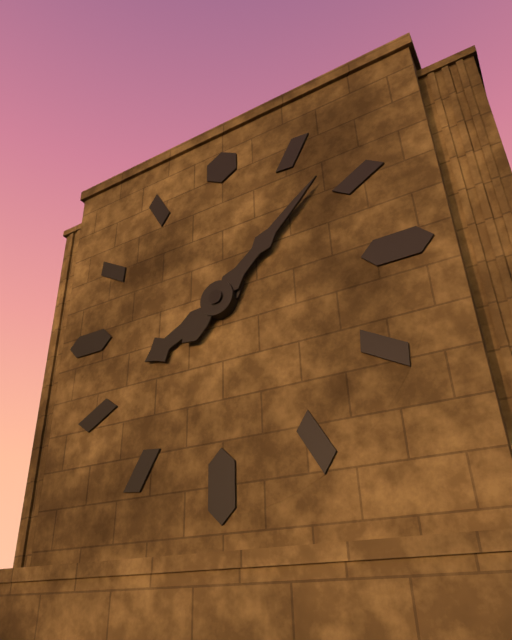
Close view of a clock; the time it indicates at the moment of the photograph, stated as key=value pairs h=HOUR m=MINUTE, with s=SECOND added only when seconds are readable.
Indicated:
h=8 m=8
